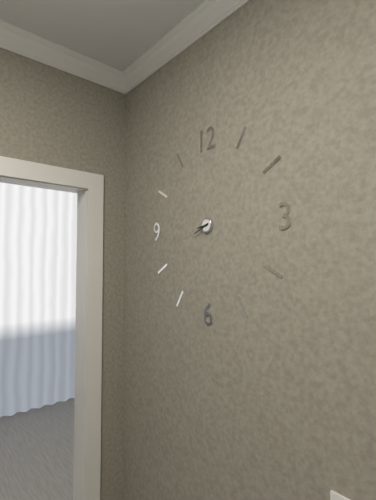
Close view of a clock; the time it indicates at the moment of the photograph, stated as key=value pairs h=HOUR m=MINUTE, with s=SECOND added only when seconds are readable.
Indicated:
h=8 m=41
